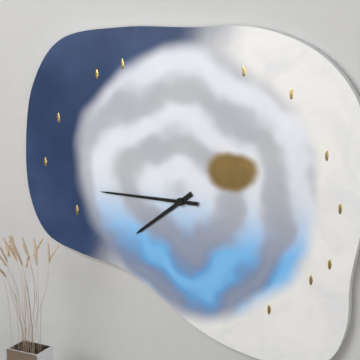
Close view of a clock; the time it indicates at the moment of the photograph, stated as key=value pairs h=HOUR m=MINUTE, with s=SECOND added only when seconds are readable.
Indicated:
h=7 m=45
